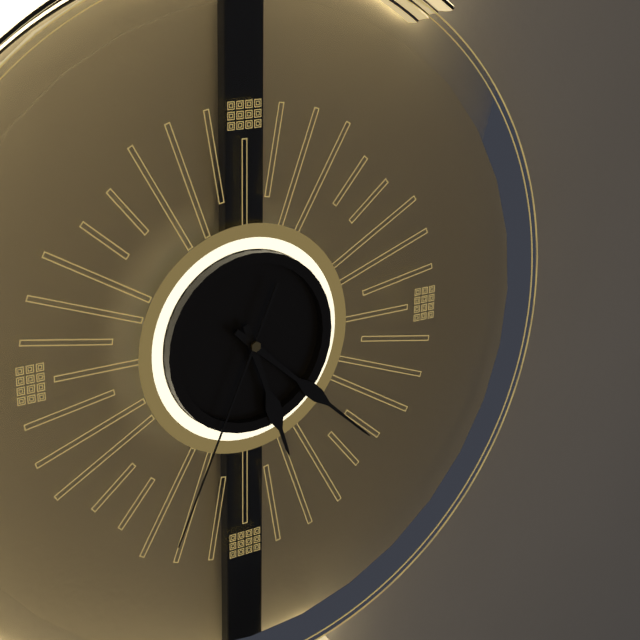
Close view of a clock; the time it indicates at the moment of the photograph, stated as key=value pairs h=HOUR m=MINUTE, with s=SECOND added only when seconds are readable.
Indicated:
h=5 m=22 s=34
